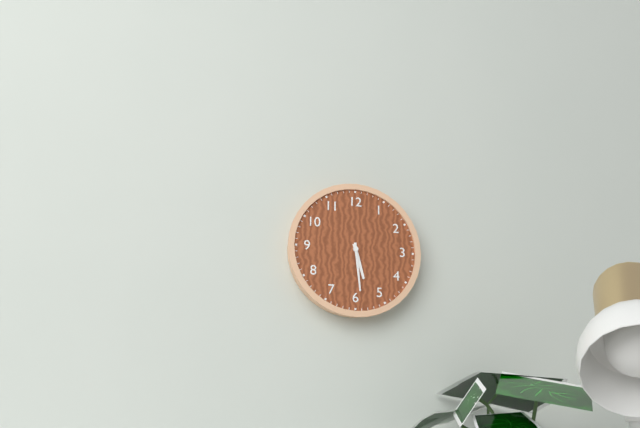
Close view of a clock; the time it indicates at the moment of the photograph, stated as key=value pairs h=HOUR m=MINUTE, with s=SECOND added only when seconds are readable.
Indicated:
h=5 m=29
